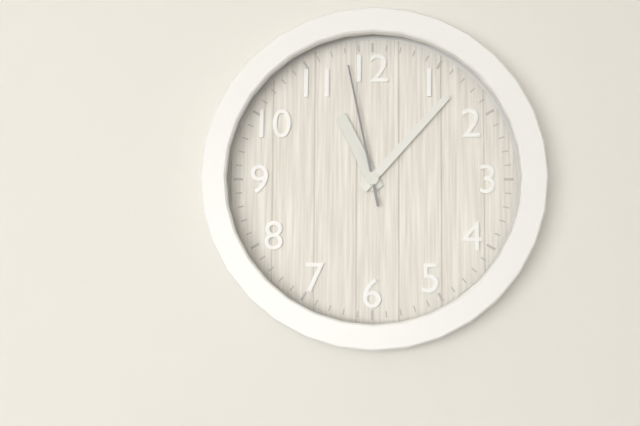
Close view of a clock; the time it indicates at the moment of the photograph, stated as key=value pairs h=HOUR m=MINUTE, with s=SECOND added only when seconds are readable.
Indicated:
h=11 m=7 s=58
